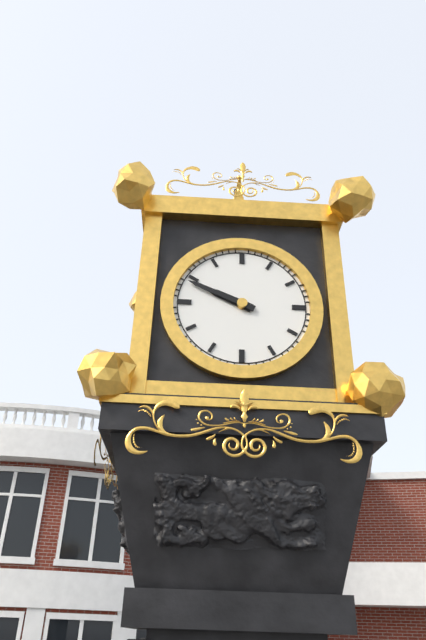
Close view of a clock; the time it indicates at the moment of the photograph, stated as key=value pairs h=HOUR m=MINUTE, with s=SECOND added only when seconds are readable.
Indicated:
h=9 m=49
